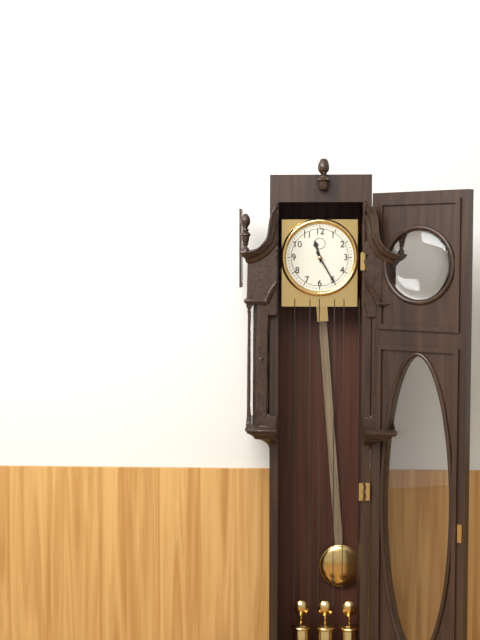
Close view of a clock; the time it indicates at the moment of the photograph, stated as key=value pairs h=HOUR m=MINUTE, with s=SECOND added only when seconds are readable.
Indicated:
h=11 m=25
